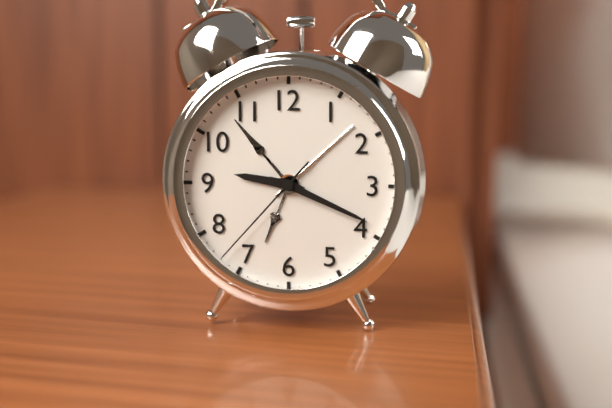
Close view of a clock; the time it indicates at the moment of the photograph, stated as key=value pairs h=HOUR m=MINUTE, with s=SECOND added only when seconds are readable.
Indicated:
h=9 m=19 s=37
